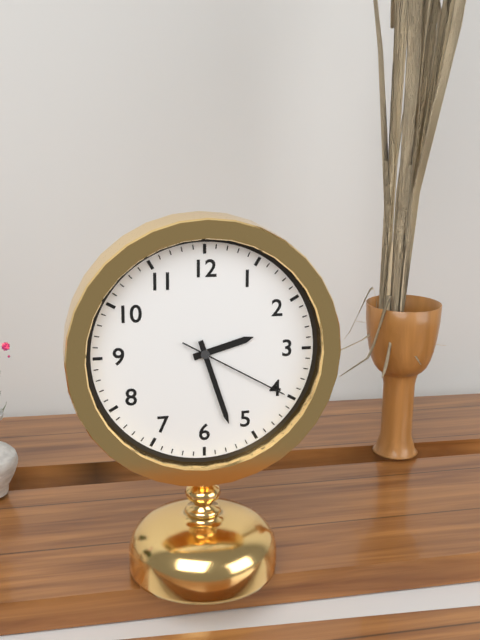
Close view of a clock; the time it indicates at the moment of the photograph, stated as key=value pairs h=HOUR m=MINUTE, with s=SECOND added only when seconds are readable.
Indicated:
h=2 m=27 s=20
